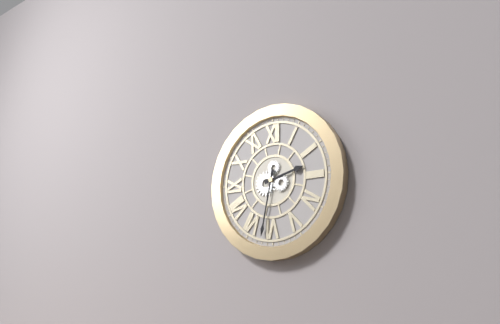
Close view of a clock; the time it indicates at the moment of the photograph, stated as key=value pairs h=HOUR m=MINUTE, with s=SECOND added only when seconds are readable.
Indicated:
h=2 m=32
